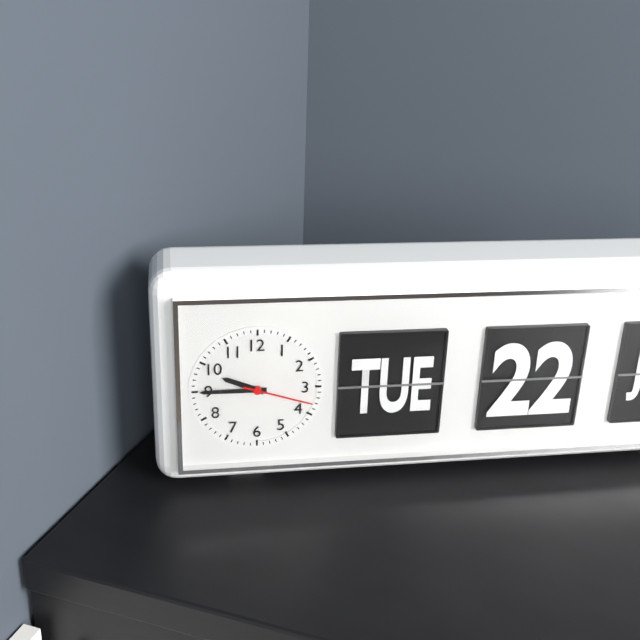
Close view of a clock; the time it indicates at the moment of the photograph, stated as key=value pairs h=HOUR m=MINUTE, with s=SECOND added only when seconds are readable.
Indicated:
h=9 m=45 s=18
